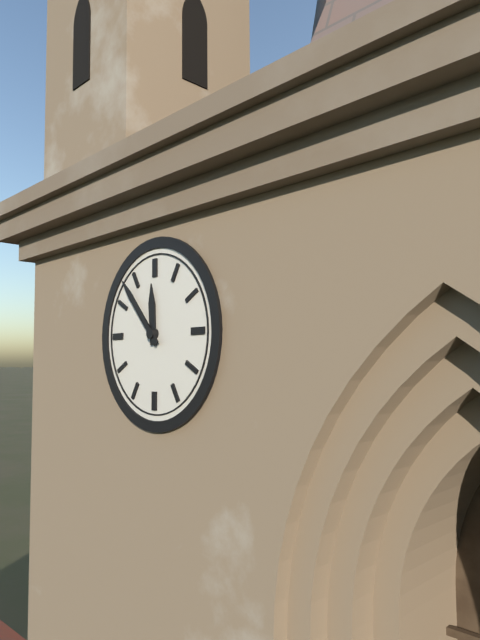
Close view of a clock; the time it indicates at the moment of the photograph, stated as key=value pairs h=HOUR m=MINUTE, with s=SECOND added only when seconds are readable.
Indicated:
h=11 m=53
